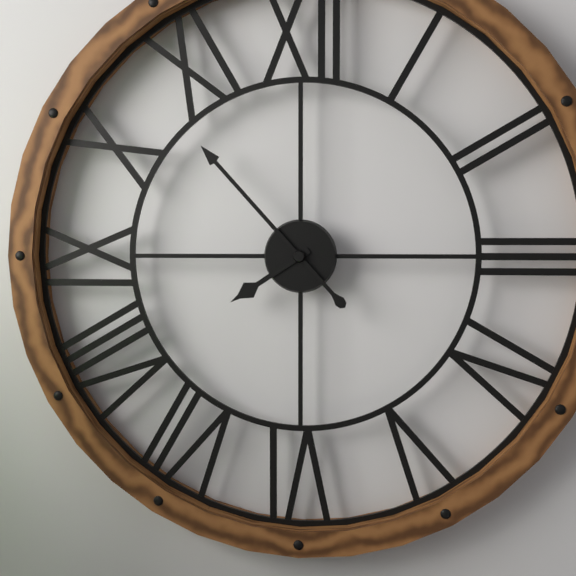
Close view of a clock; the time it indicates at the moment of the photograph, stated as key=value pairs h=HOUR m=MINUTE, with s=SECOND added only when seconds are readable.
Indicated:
h=7 m=53
